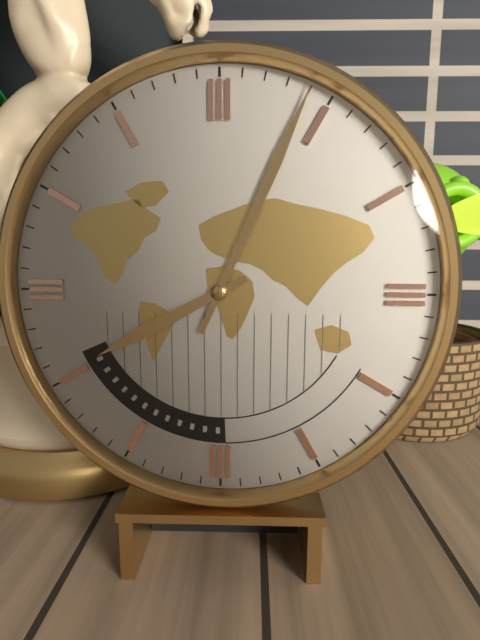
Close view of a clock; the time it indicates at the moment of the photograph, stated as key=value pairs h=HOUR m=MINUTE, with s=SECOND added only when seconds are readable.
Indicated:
h=8 m=4
